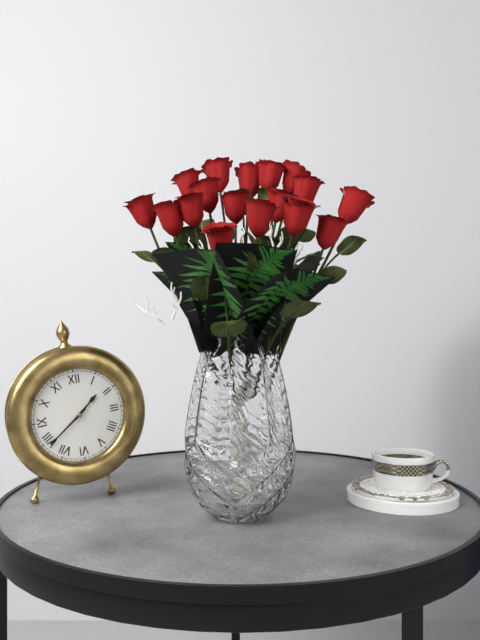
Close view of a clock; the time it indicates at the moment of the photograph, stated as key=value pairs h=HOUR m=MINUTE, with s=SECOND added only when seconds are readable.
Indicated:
h=1 m=39
